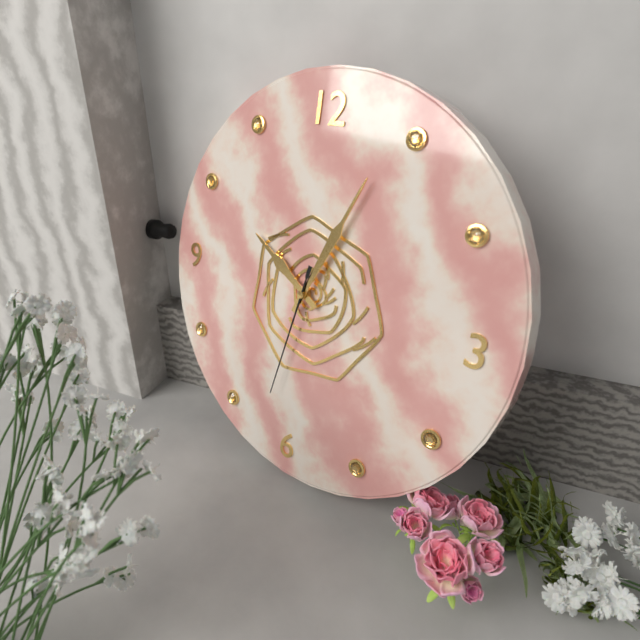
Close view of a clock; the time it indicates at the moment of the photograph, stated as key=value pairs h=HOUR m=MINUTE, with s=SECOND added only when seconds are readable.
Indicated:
h=10 m=4 s=32
